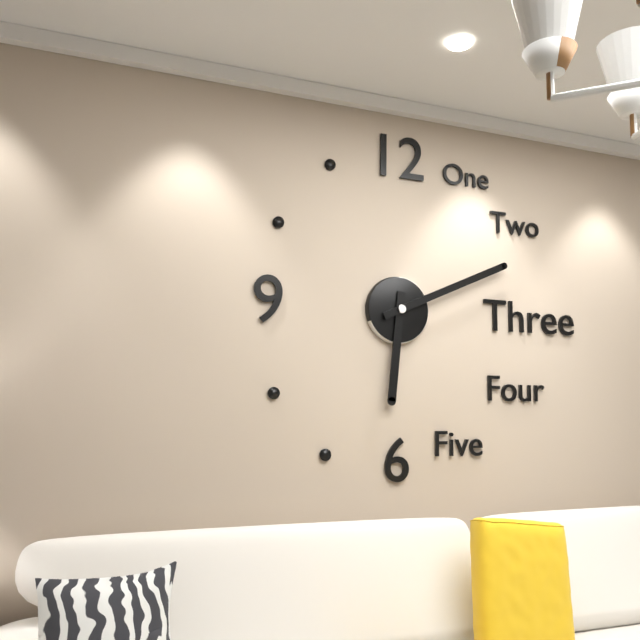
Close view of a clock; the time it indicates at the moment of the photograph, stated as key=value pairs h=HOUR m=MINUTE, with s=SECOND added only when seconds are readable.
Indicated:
h=6 m=11
